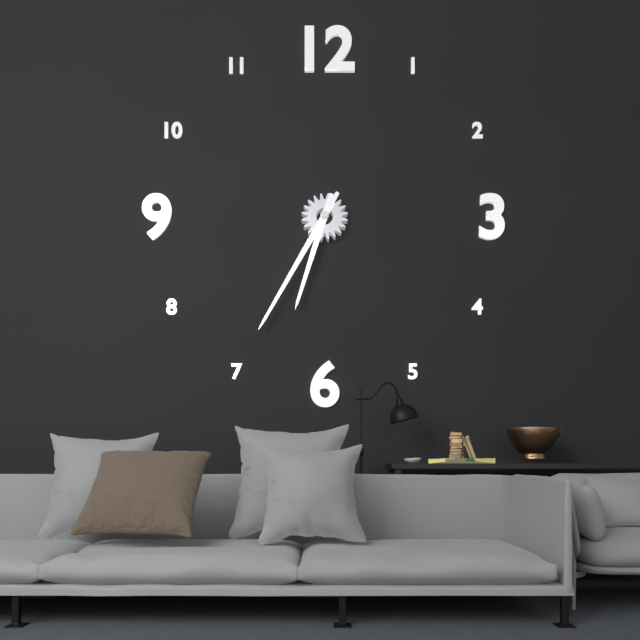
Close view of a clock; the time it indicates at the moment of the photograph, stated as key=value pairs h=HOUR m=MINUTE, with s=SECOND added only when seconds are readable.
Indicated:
h=6 m=35
